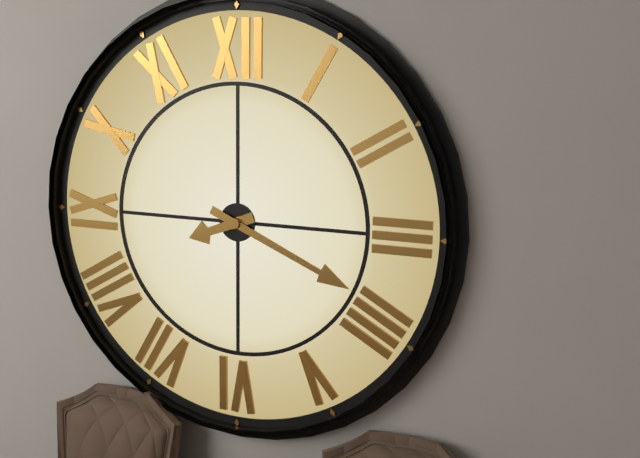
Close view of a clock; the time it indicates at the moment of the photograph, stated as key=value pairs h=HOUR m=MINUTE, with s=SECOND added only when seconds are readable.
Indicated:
h=8 m=19
